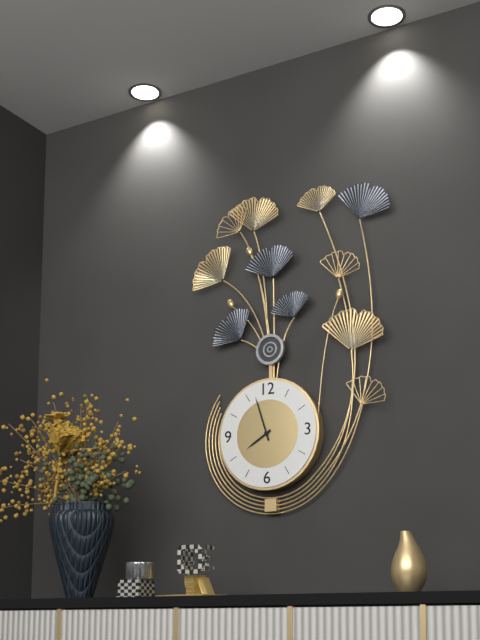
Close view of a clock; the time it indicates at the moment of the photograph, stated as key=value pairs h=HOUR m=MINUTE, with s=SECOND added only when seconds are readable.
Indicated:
h=7 m=57
